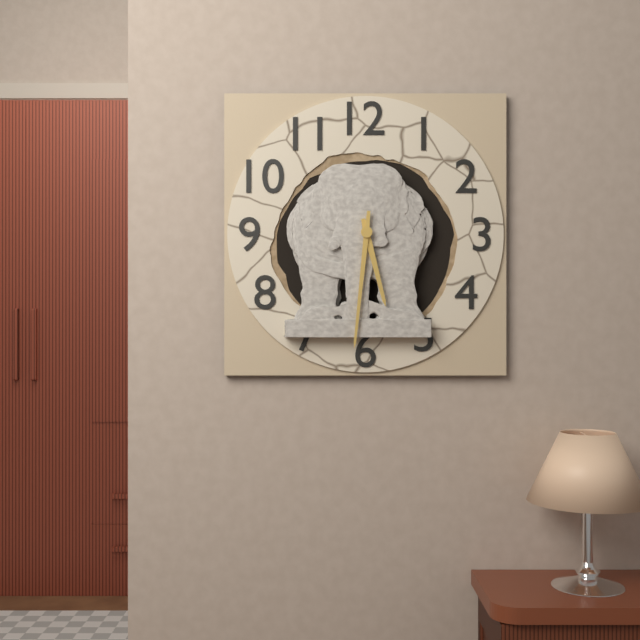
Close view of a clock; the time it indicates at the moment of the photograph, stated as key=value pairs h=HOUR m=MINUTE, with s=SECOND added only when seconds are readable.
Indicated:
h=5 m=31
